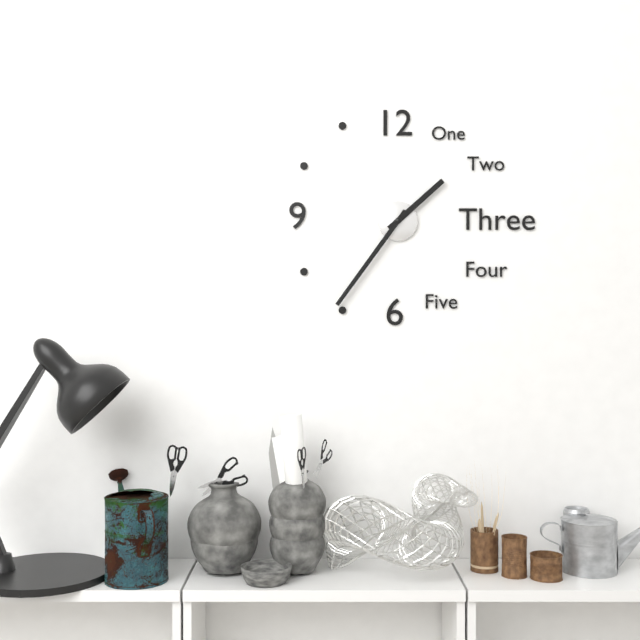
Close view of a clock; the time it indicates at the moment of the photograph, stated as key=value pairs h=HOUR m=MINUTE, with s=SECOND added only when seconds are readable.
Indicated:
h=1 m=36
